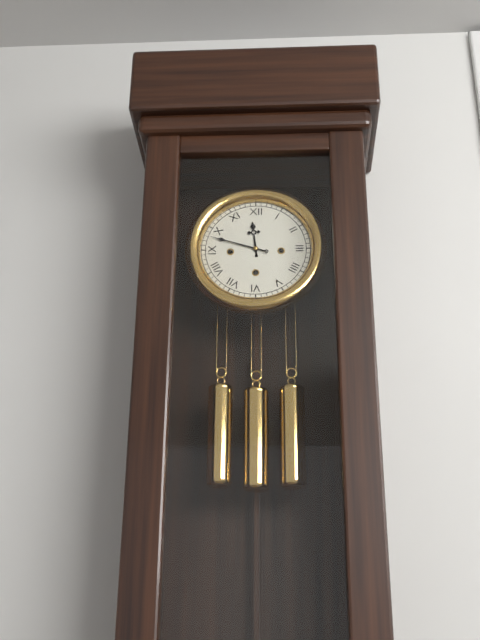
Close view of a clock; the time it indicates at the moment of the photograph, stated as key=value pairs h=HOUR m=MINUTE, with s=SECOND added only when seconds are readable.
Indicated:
h=11 m=48
